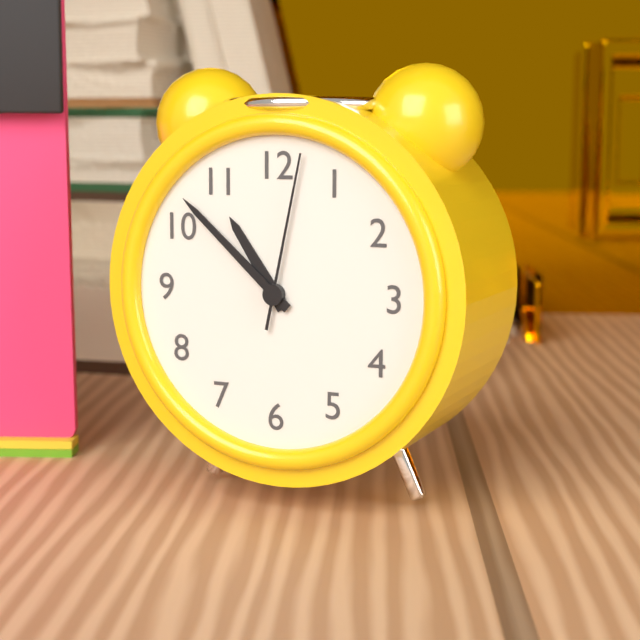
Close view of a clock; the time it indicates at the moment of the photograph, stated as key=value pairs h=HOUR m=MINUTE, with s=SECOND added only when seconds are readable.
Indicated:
h=10 m=52 s=2
